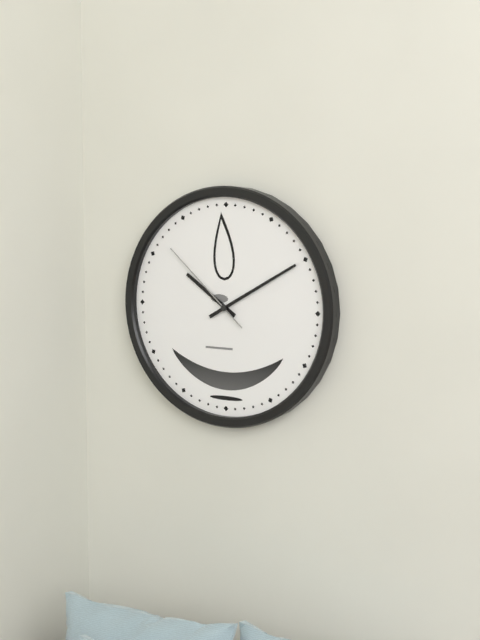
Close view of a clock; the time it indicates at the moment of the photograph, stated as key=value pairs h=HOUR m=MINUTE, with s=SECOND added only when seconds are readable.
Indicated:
h=10 m=10 s=52
